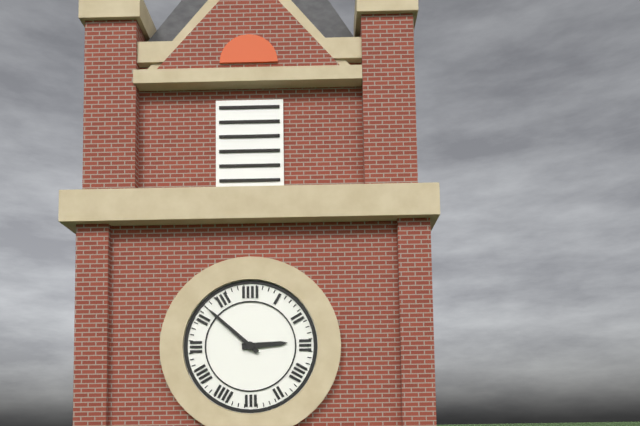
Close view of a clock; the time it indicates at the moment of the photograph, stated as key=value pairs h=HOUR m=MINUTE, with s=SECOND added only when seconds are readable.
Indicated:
h=2 m=52
